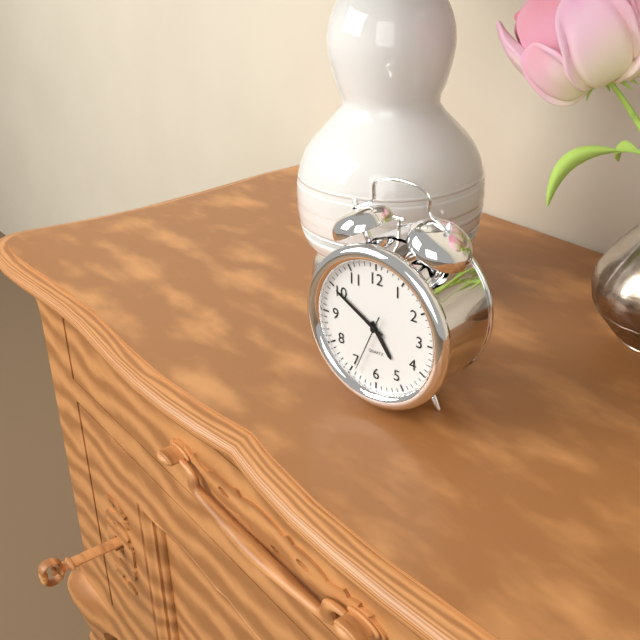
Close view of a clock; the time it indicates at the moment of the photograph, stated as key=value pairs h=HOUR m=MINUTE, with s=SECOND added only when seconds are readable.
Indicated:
h=4 m=50 s=34
